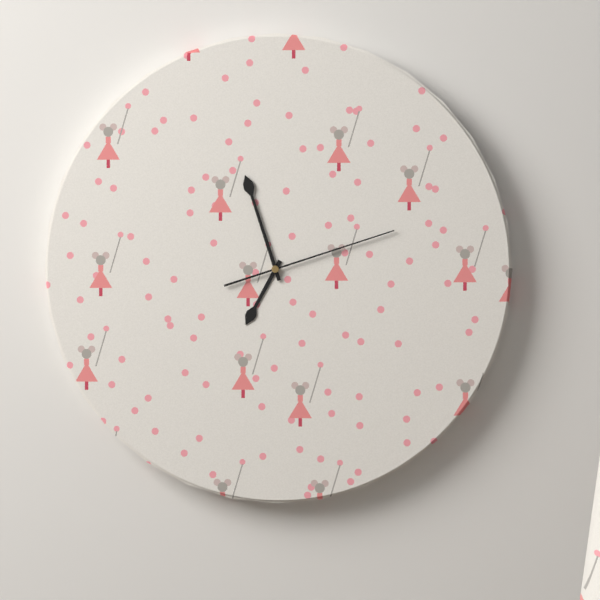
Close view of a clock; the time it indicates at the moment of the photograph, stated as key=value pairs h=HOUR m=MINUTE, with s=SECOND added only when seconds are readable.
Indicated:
h=6 m=57 s=12
